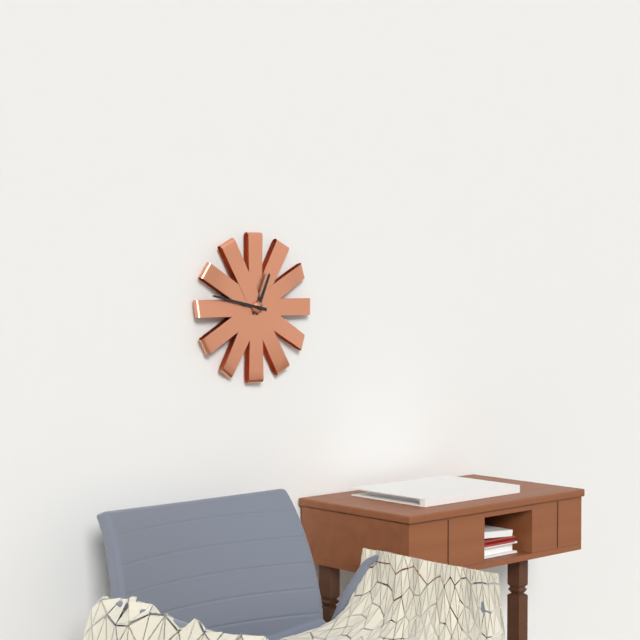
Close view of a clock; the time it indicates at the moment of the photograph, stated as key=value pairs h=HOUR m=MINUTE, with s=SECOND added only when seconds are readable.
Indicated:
h=12 m=47
